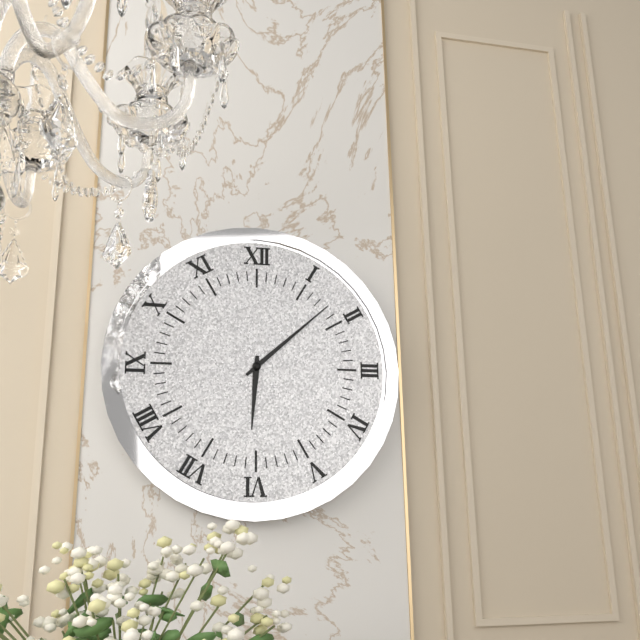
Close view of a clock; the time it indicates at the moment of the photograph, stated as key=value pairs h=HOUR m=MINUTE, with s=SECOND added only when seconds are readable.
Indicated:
h=6 m=8
